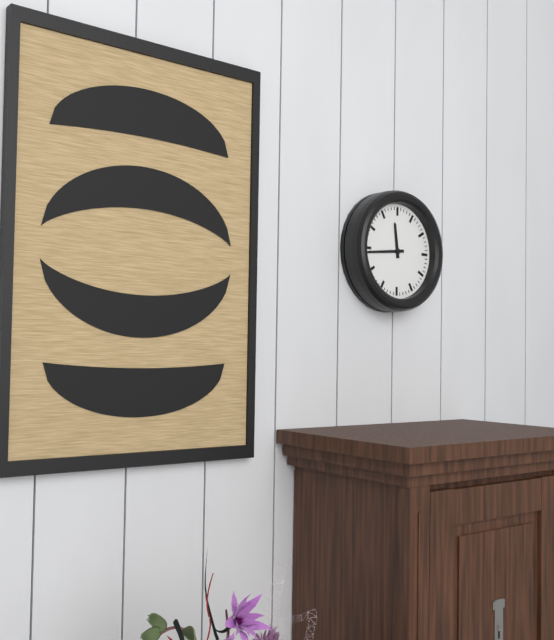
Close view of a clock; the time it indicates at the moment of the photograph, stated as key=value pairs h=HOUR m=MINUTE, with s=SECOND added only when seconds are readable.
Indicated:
h=11 m=44
